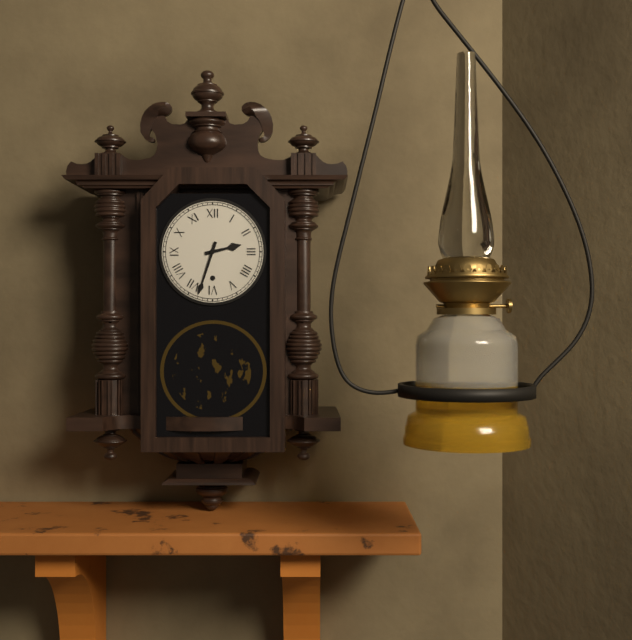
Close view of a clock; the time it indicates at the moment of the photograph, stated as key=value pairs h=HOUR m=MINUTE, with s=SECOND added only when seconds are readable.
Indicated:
h=2 m=33
